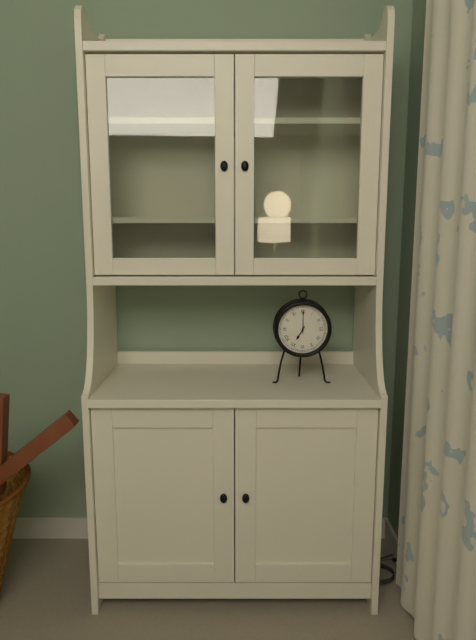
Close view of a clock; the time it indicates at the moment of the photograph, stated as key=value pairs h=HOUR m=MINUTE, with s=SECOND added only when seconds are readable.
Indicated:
h=7 m=0
